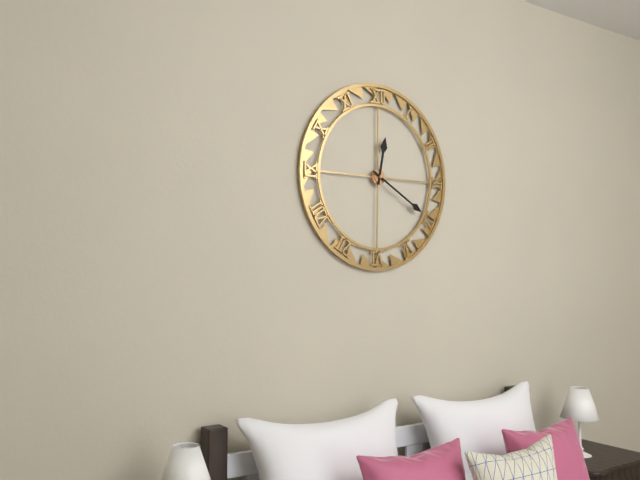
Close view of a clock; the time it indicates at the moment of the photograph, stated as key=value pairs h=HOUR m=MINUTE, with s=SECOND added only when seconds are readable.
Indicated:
h=12 m=20
